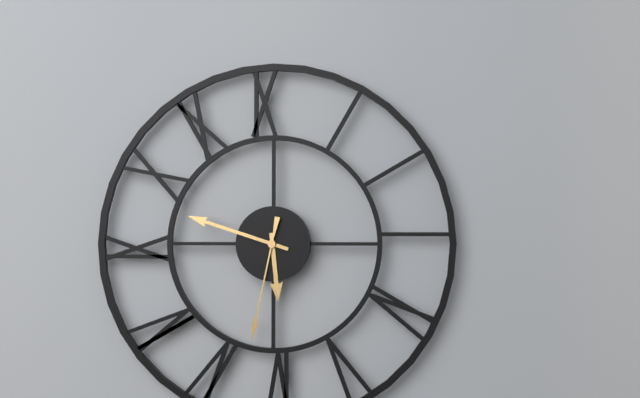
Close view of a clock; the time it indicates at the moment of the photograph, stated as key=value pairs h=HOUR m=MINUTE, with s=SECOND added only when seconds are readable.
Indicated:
h=5 m=48 s=32
